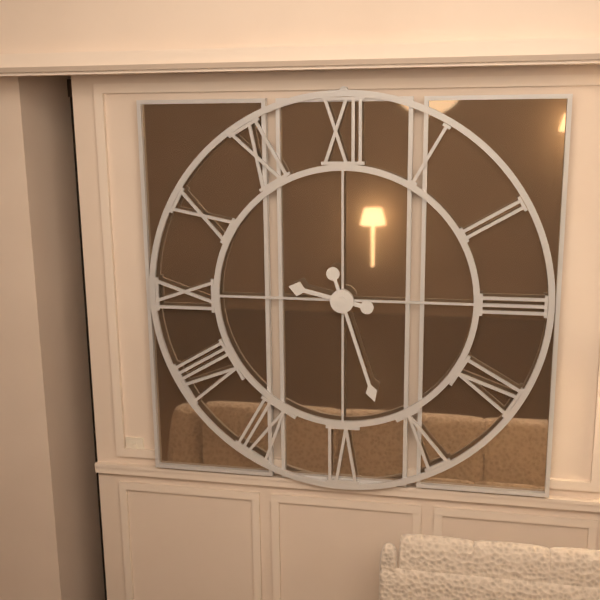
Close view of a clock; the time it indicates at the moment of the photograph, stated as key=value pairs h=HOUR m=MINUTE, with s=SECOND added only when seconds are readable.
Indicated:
h=9 m=27
